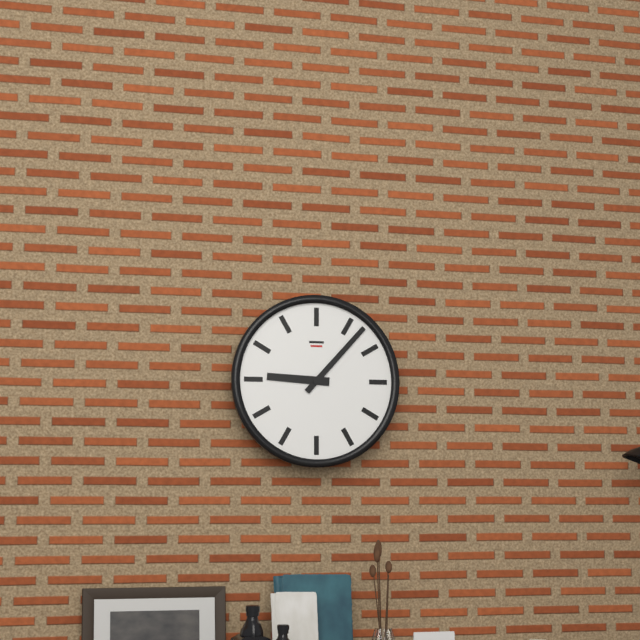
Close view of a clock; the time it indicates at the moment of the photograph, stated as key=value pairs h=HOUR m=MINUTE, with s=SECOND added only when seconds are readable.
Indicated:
h=9 m=7
